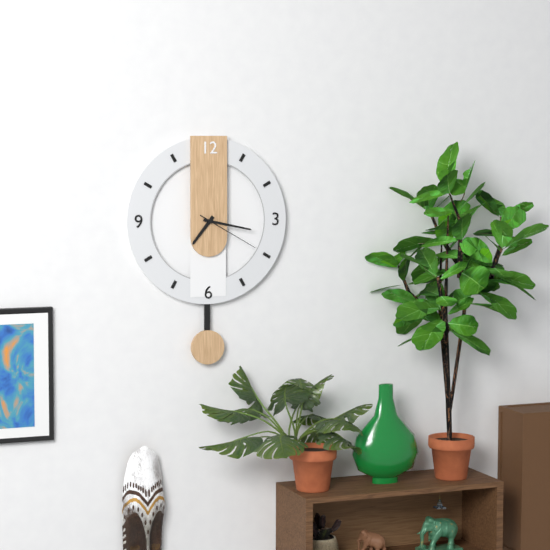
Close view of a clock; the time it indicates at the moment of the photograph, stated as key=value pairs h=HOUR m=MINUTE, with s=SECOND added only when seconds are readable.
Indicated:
h=7 m=17 s=20
